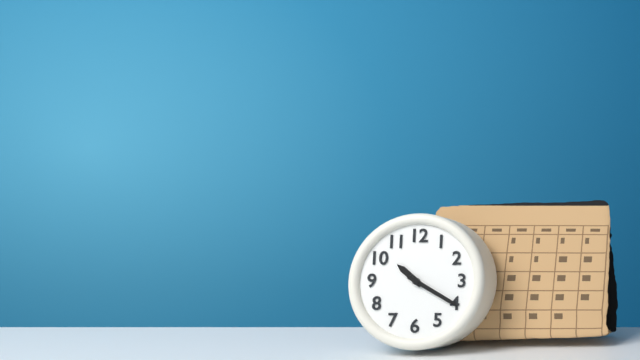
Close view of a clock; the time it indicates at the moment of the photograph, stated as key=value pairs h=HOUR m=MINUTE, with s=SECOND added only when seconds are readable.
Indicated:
h=10 m=20
